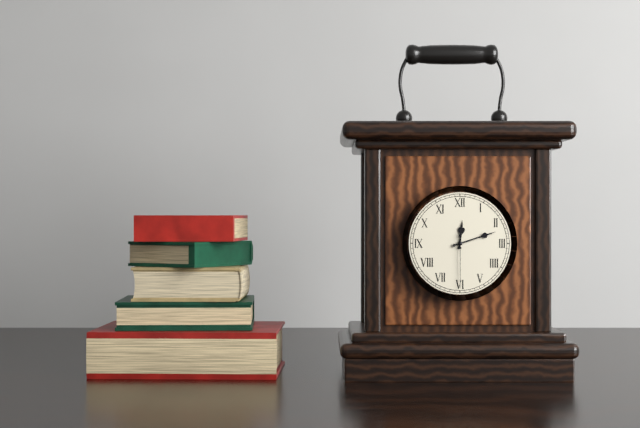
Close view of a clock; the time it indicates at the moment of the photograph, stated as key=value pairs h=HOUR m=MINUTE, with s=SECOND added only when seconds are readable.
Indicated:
h=12 m=12 s=30
